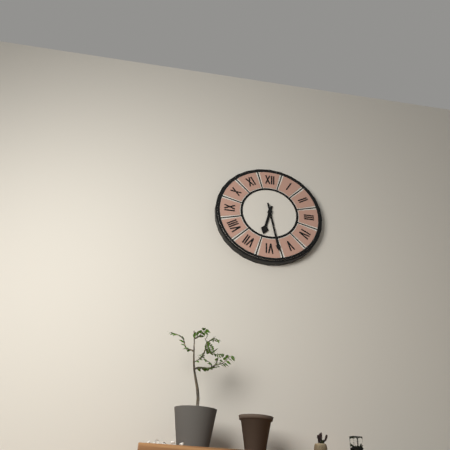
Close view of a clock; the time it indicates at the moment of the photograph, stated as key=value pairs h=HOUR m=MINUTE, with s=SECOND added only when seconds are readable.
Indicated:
h=6 m=28
